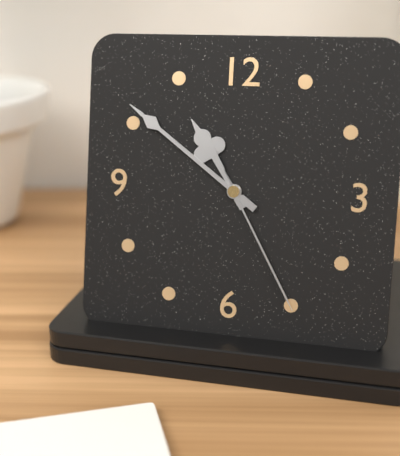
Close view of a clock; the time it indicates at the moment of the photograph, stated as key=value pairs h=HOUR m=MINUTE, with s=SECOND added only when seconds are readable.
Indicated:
h=10 m=51 s=25
